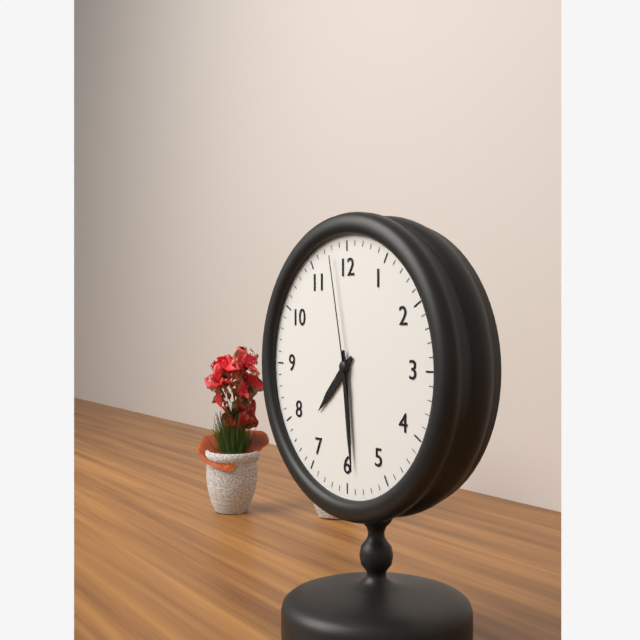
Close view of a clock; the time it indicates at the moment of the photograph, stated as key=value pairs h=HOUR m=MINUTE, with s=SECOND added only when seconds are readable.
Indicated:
h=7 m=29 s=58
